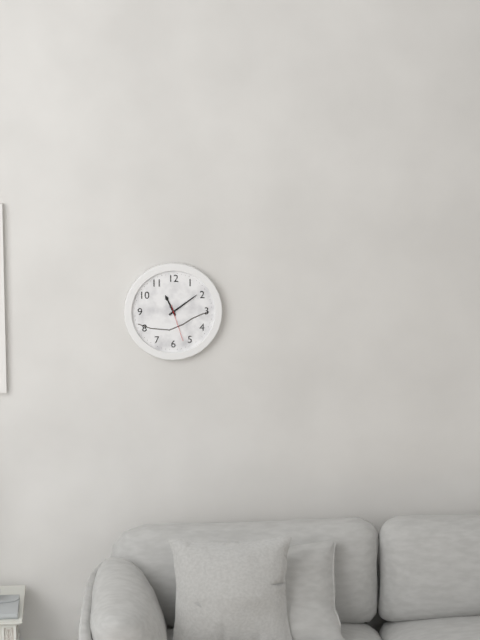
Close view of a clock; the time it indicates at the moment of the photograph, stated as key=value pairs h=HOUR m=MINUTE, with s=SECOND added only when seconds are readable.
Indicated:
h=11 m=9
